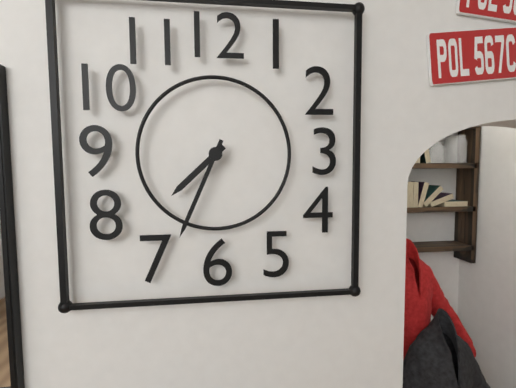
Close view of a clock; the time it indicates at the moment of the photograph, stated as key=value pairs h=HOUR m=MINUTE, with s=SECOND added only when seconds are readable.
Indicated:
h=7 m=34
